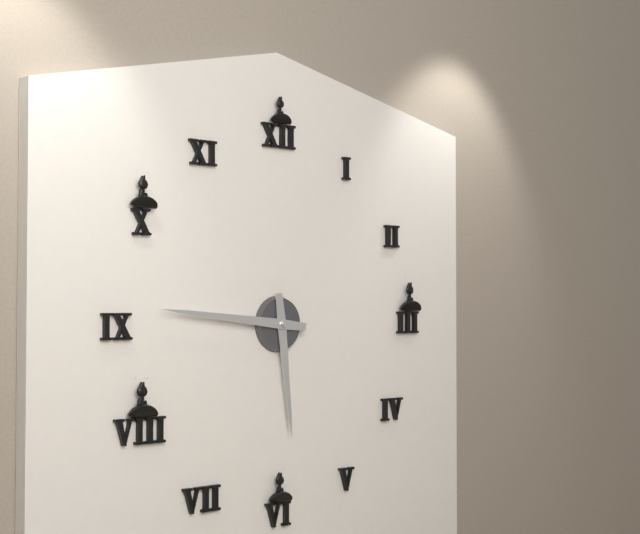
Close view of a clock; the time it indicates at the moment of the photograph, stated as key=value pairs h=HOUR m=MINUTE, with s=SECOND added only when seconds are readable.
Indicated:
h=5 m=46
